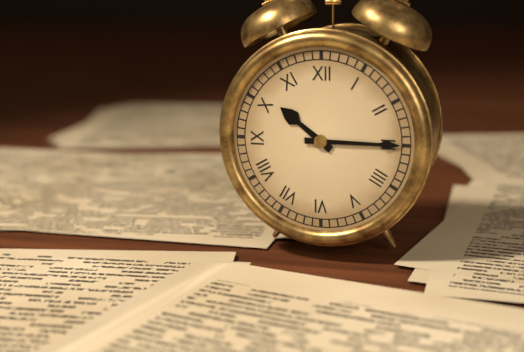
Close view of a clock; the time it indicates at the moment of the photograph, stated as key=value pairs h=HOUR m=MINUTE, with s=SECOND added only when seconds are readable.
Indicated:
h=10 m=15
